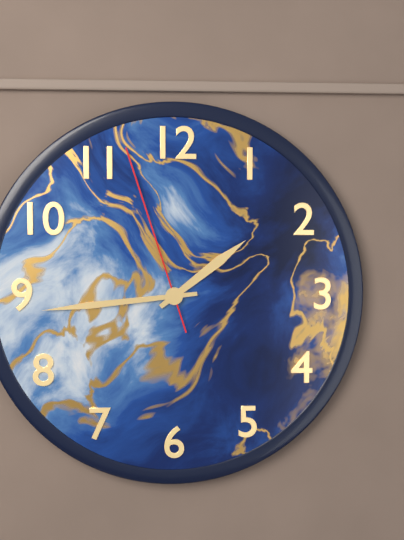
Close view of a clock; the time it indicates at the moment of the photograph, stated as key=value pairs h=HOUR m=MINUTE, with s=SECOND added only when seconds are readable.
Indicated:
h=1 m=44 s=57
